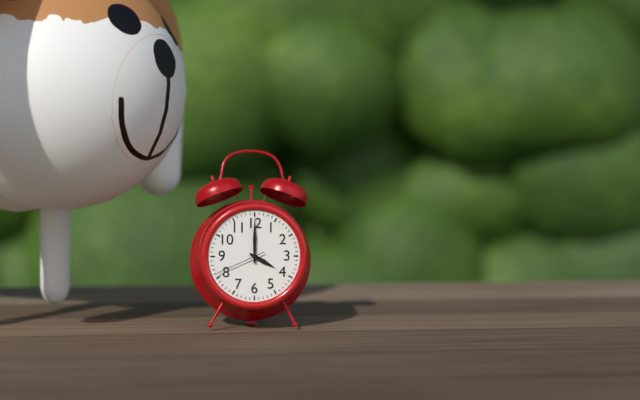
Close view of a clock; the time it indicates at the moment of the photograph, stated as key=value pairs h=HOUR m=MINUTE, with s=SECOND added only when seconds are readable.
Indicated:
h=4 m=0 s=41
